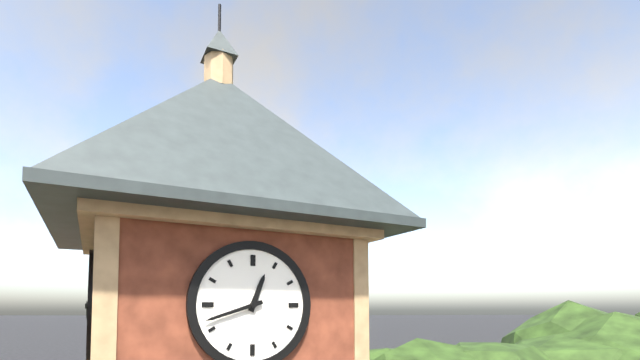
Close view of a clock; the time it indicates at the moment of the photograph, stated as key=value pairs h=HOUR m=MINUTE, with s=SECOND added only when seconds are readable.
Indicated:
h=12 m=42
